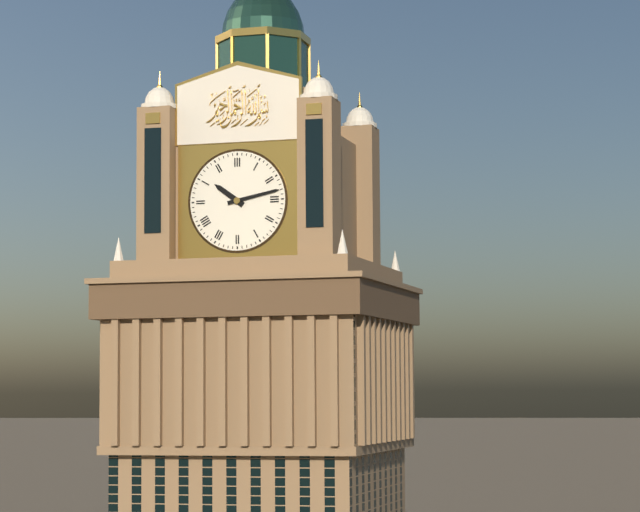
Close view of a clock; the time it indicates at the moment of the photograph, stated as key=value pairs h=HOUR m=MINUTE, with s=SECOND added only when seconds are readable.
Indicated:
h=10 m=13
